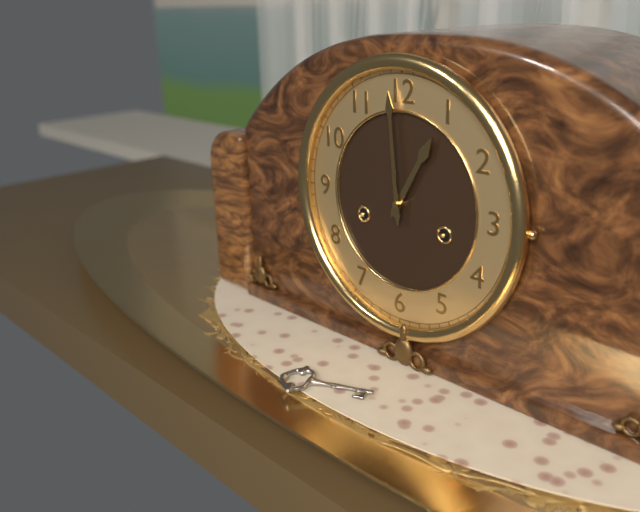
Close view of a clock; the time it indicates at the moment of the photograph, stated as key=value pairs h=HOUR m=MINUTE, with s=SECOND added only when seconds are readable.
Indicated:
h=12 m=59
